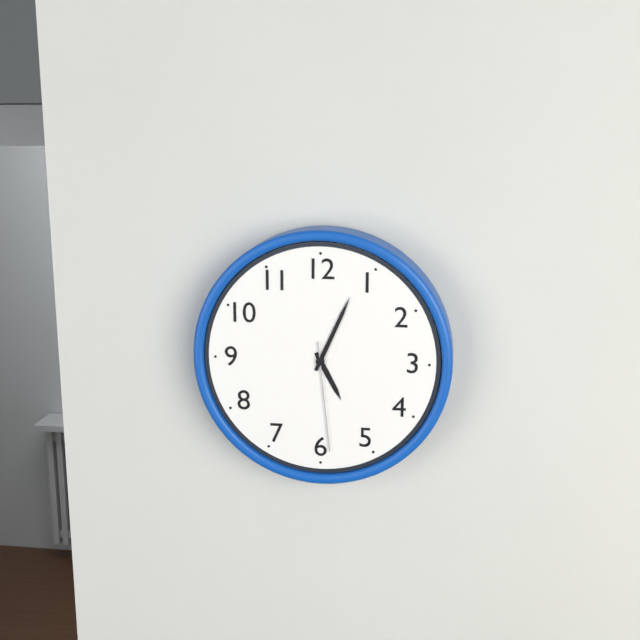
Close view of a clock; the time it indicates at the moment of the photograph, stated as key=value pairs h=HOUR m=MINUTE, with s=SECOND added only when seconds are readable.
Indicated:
h=5 m=4 s=29
